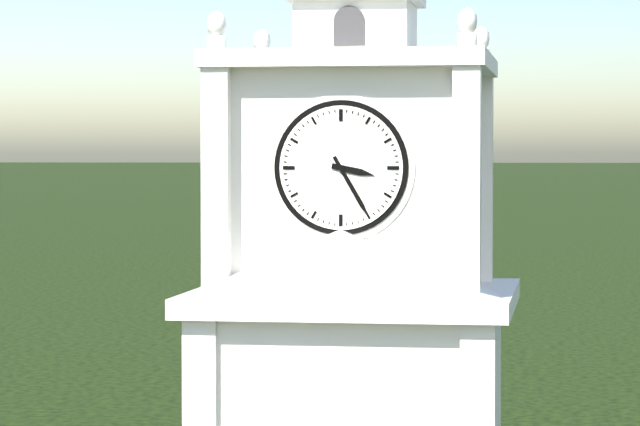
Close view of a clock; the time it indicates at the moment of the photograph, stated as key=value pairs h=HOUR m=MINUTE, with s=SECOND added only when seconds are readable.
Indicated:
h=3 m=25
